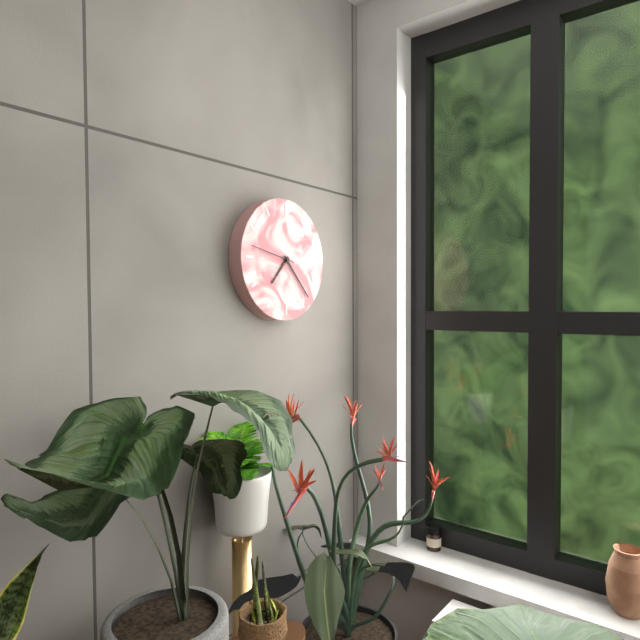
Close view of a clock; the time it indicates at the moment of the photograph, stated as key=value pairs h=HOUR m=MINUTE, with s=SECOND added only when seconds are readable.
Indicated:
h=7 m=23
